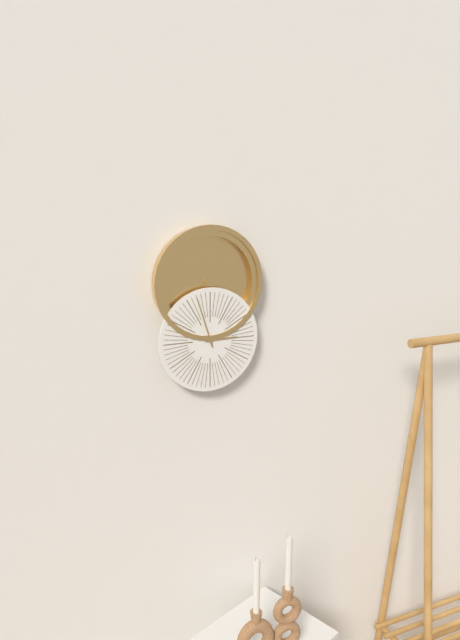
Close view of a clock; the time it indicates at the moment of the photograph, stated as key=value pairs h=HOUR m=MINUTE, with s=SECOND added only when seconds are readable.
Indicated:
h=2 m=57
